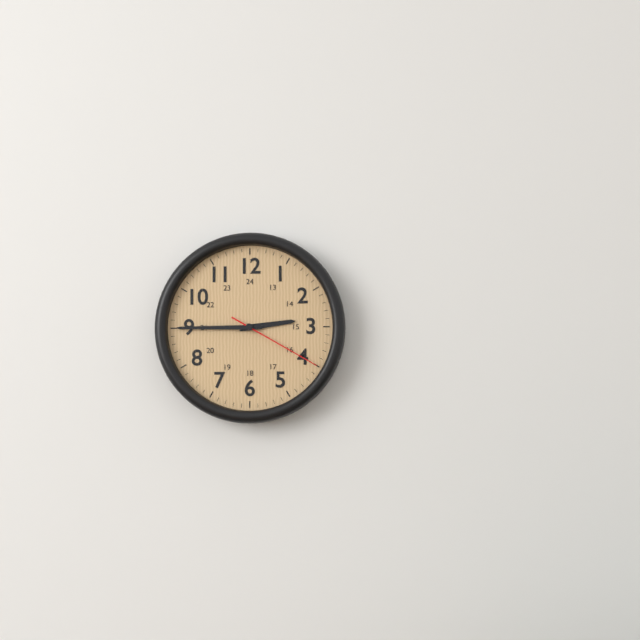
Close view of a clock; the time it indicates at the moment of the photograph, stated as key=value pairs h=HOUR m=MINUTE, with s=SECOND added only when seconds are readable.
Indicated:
h=2 m=45 s=20
